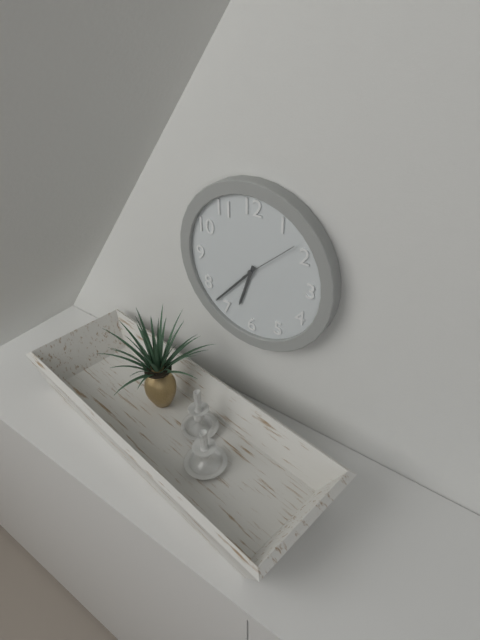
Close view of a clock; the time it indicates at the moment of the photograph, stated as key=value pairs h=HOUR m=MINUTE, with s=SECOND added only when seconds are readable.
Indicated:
h=6 m=37 s=8
